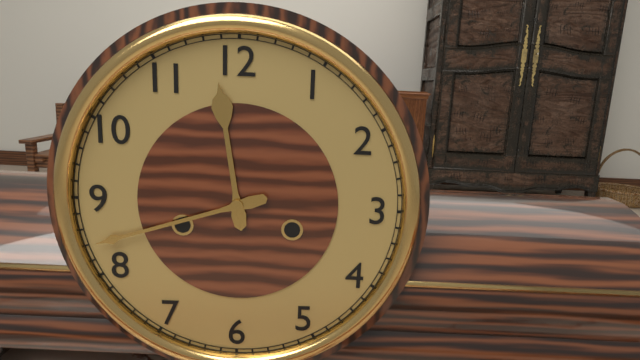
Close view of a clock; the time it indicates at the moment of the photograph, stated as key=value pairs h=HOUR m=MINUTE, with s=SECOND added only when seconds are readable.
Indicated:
h=11 m=42
